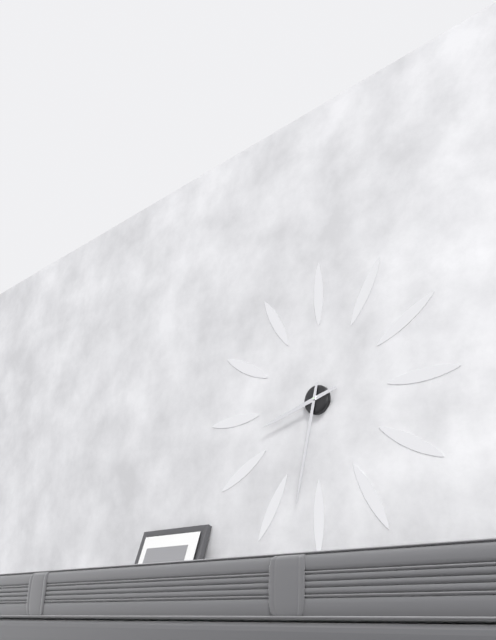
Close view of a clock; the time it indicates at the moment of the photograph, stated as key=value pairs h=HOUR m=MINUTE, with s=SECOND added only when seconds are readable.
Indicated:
h=8 m=32
